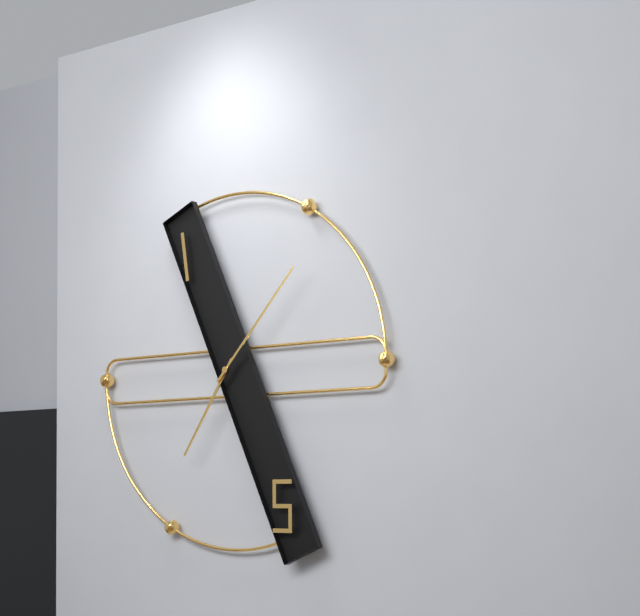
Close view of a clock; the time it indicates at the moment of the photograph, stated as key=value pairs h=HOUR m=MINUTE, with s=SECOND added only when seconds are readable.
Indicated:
h=7 m=7
